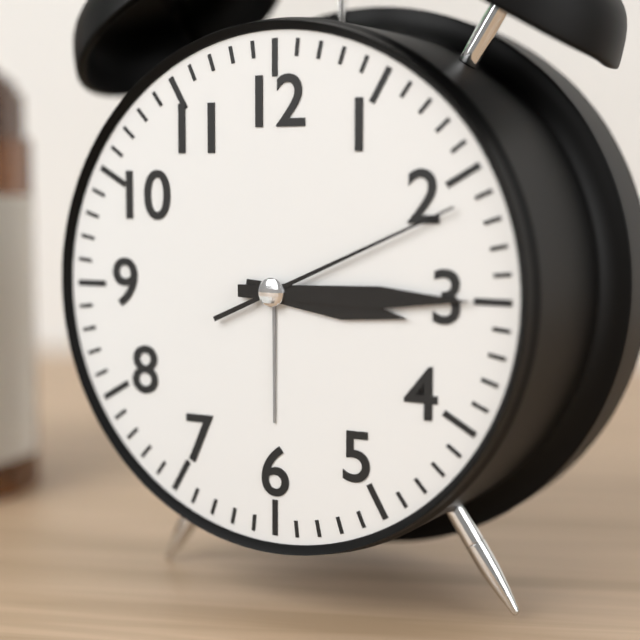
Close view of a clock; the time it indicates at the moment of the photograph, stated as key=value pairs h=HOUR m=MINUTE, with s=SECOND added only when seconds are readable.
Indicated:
h=3 m=15 s=11
